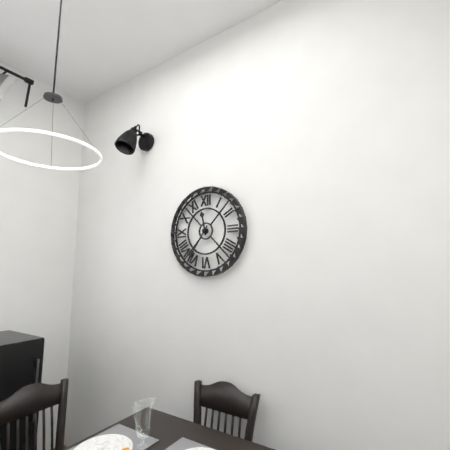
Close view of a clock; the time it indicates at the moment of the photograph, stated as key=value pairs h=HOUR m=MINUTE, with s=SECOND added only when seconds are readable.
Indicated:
h=11 m=36
